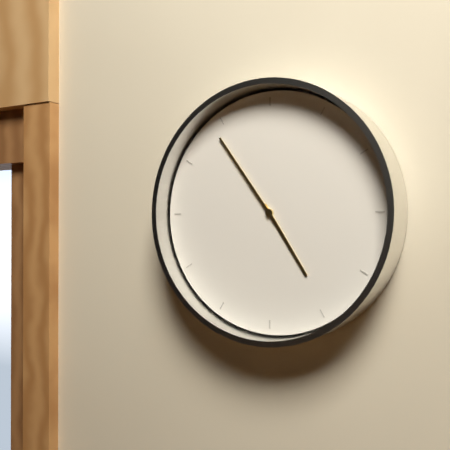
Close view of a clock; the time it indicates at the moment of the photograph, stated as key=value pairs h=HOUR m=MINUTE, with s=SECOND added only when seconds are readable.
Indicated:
h=4 m=54
